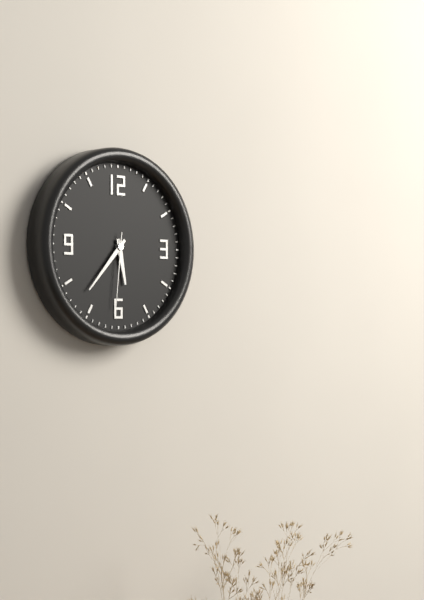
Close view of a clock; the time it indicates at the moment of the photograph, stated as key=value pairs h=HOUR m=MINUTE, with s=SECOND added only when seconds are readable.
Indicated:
h=5 m=37 s=31
